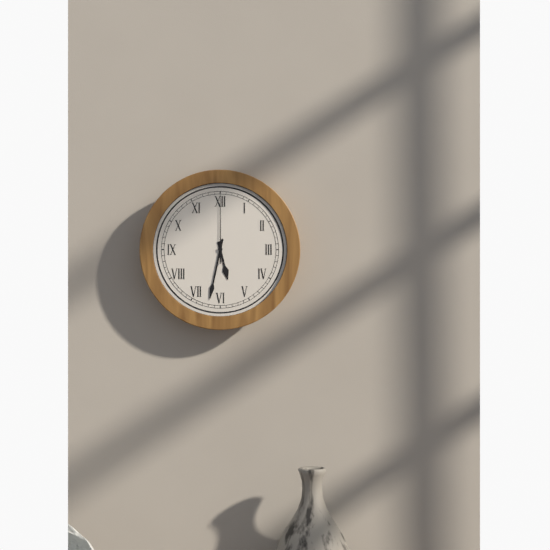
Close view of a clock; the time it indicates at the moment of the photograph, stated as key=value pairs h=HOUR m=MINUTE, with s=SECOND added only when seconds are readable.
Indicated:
h=5 m=32 s=0
